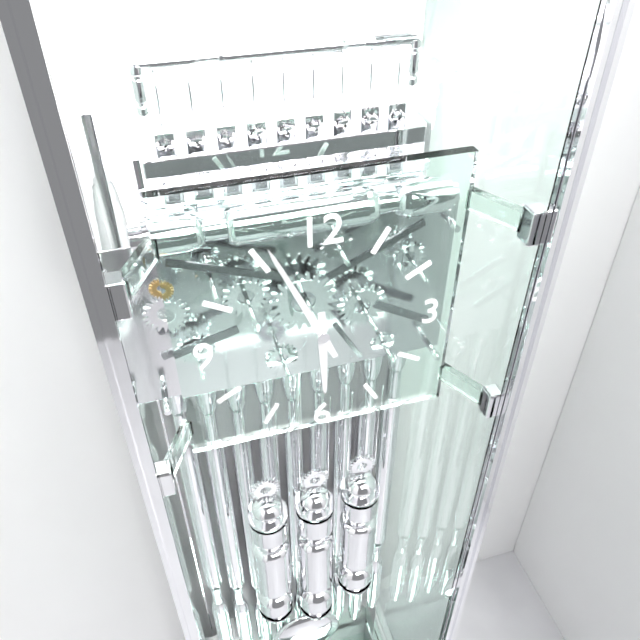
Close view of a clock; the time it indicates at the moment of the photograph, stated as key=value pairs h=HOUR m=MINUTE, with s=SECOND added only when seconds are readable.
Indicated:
h=5 m=56
